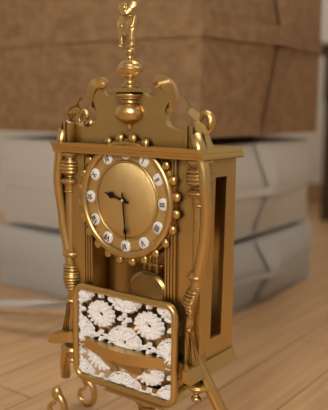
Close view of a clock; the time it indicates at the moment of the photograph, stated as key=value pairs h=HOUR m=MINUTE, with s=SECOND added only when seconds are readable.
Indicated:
h=9 m=29
